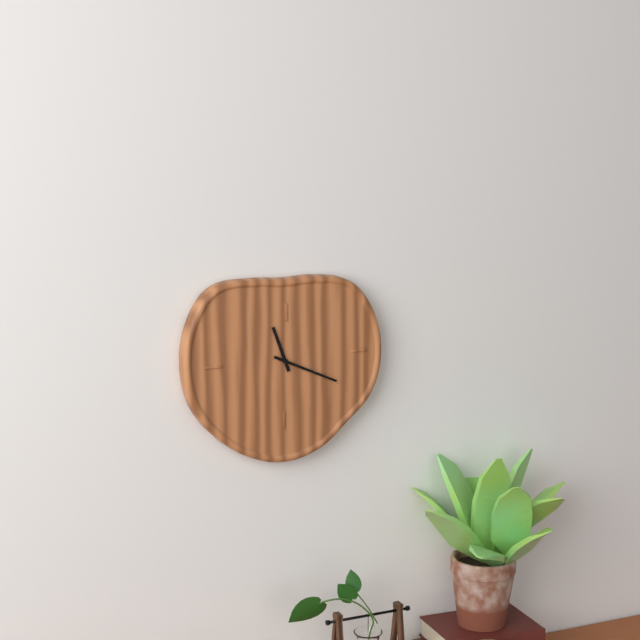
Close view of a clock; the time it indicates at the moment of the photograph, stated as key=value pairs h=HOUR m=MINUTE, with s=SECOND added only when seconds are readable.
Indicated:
h=11 m=19
